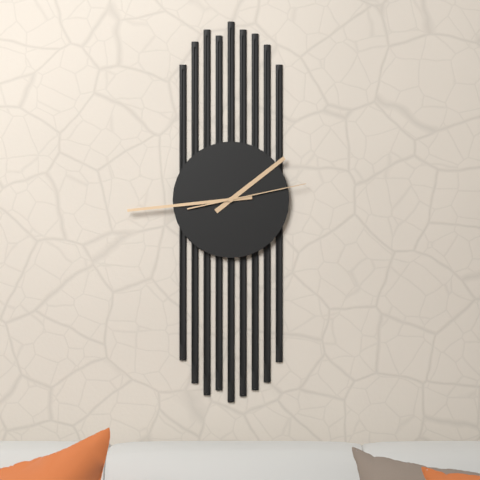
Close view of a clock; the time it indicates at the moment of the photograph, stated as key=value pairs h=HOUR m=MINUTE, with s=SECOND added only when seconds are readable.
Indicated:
h=1 m=44 s=13
